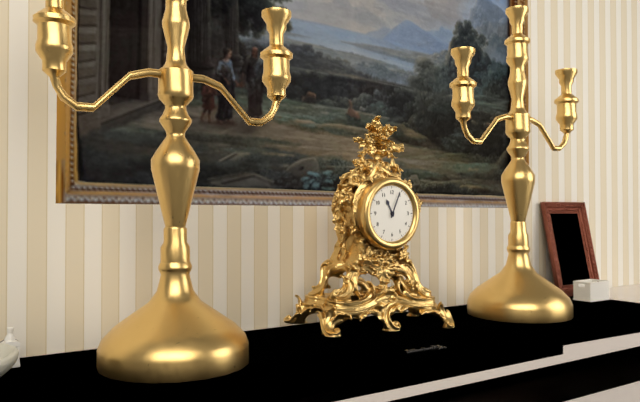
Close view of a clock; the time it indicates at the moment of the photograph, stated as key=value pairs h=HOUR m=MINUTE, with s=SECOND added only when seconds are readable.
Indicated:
h=11 m=4
